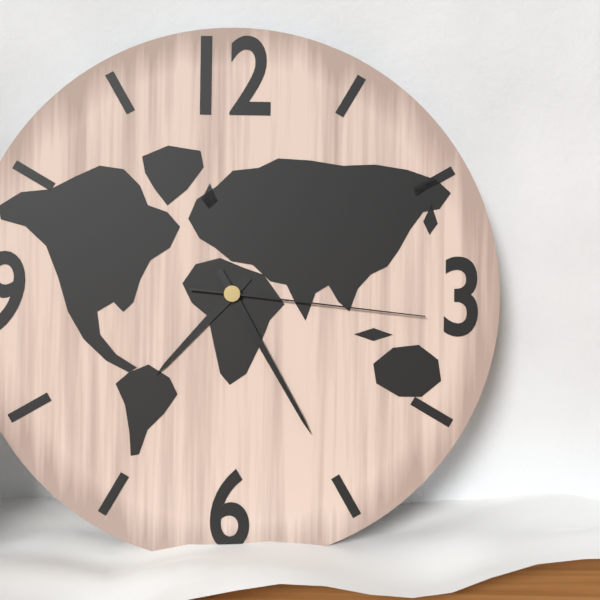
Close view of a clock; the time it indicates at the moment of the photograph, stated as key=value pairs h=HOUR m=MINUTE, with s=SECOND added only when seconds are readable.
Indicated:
h=7 m=25 s=16
